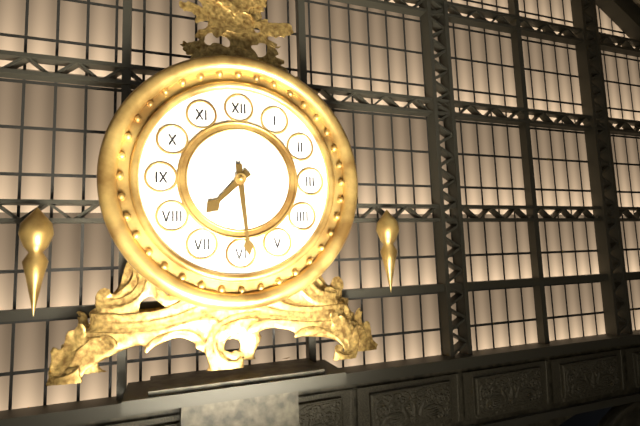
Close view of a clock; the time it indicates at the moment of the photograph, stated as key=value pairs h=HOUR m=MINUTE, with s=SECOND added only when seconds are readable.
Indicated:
h=7 m=29
